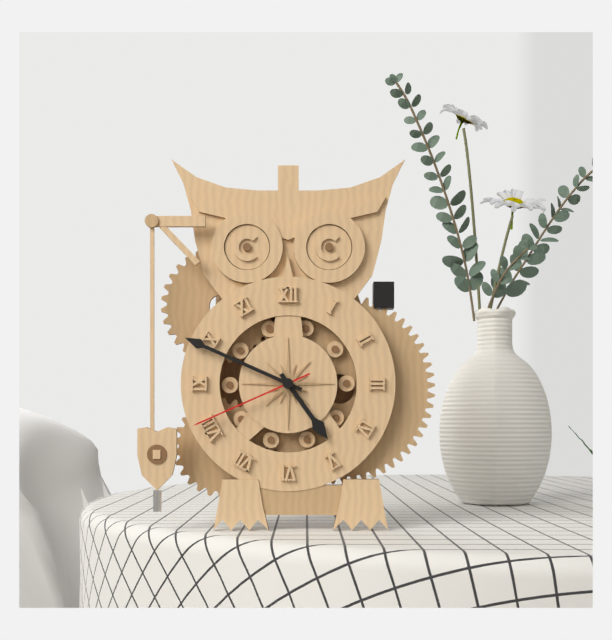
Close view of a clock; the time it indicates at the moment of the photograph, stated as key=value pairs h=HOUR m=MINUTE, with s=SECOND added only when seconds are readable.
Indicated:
h=4 m=49 s=41
